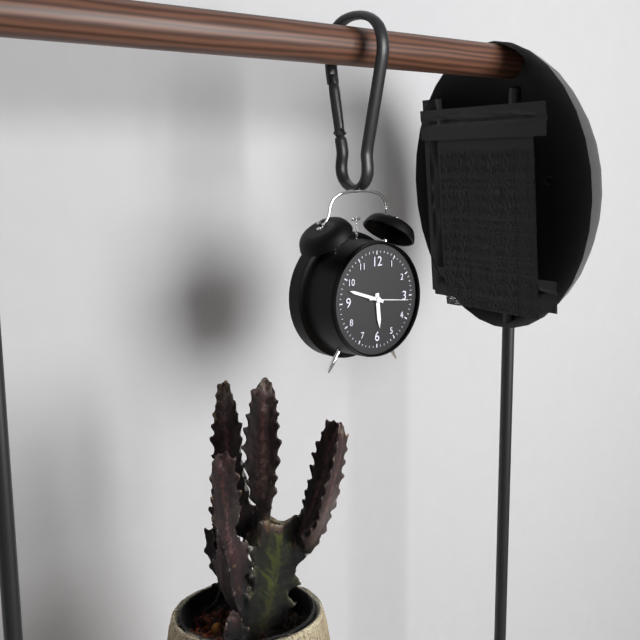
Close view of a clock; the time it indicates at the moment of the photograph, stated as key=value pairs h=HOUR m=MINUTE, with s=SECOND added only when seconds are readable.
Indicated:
h=5 m=48
